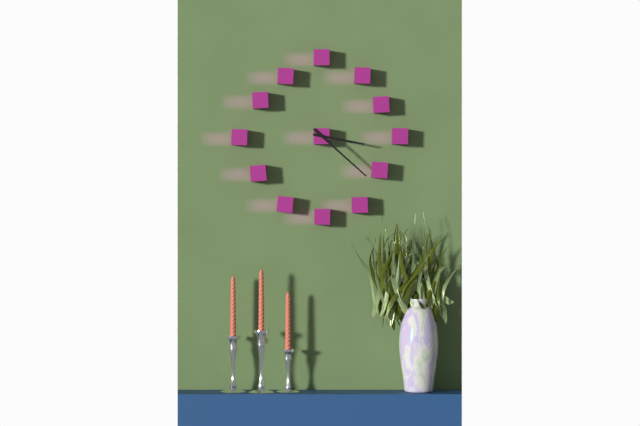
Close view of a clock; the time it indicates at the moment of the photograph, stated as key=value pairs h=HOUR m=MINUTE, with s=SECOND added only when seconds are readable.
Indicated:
h=3 m=22
